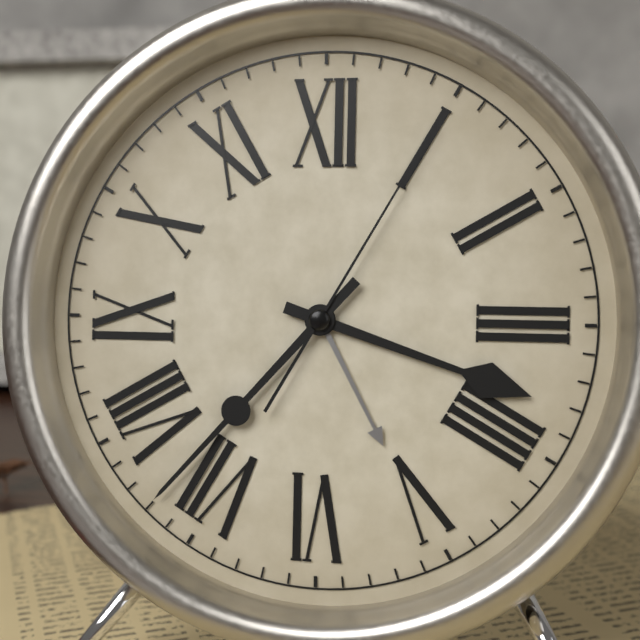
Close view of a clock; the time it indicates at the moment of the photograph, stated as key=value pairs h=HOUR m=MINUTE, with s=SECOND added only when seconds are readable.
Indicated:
h=3 m=37 s=5
